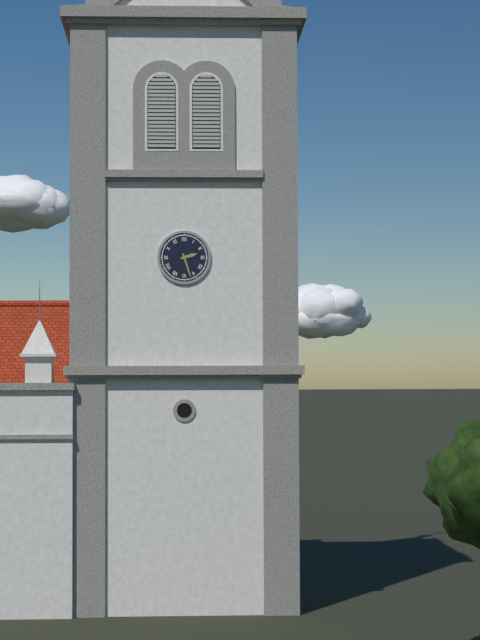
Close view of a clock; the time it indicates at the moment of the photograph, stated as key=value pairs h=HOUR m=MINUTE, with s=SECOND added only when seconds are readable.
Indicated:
h=2 m=27
